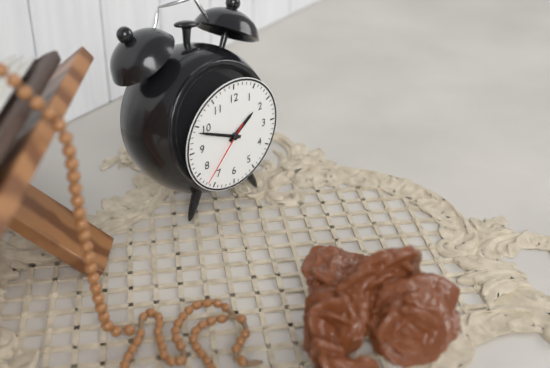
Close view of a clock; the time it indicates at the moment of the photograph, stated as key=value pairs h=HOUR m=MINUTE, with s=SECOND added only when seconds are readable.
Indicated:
h=1 m=49 s=37
